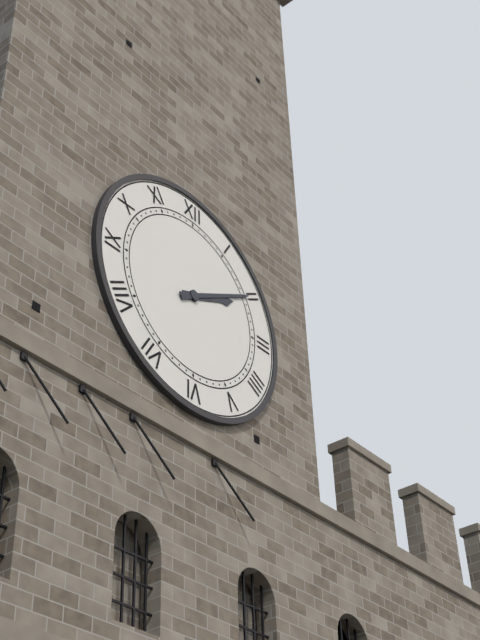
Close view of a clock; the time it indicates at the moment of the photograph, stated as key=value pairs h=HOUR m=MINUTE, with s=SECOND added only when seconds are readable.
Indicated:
h=2 m=10
